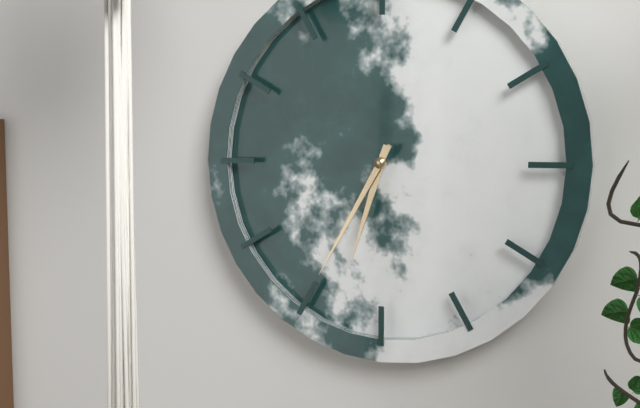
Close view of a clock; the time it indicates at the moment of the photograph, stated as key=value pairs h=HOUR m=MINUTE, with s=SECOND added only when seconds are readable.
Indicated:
h=6 m=35
